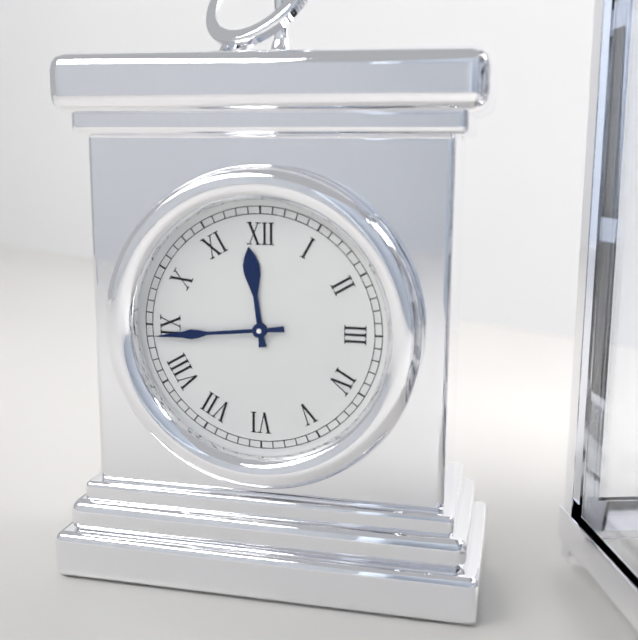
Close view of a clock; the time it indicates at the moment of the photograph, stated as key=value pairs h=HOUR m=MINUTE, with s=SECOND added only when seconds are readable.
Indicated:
h=11 m=44
